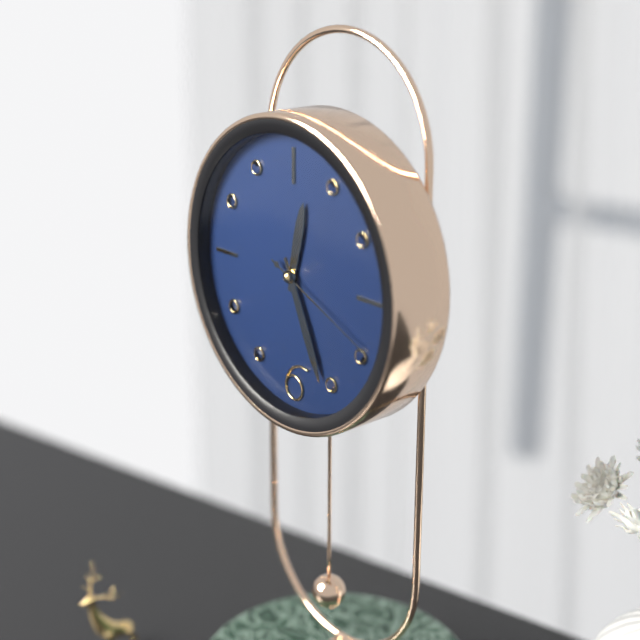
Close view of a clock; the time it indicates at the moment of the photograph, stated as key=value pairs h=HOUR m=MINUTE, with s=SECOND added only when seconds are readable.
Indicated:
h=12 m=26 s=19
